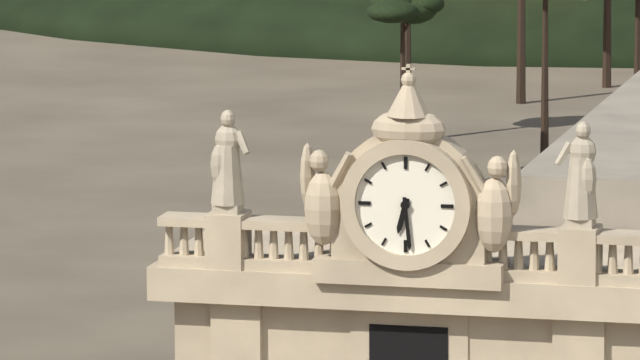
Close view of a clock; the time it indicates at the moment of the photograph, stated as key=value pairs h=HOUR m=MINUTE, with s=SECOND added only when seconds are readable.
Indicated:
h=6 m=29
